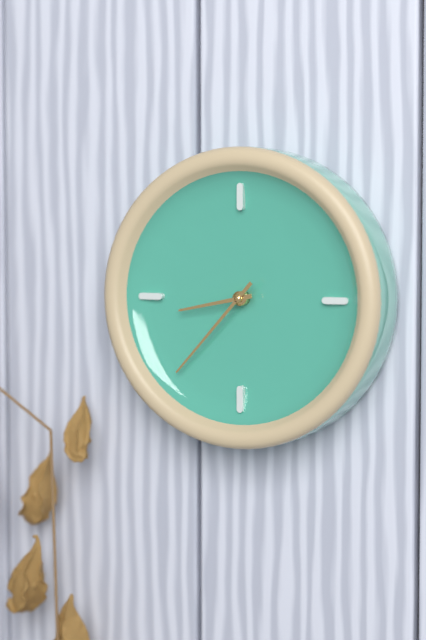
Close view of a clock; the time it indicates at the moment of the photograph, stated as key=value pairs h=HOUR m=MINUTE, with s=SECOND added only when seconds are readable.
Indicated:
h=8 m=37
